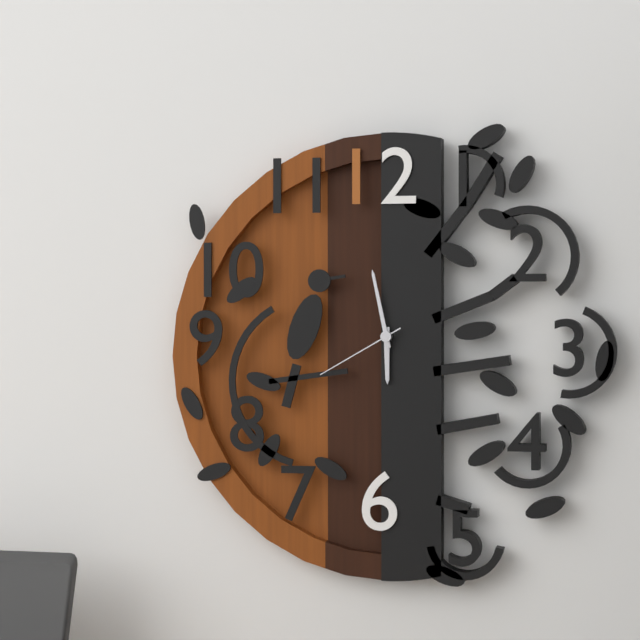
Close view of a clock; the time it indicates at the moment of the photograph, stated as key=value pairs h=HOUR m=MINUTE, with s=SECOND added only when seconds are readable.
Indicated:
h=5 m=58 s=40
